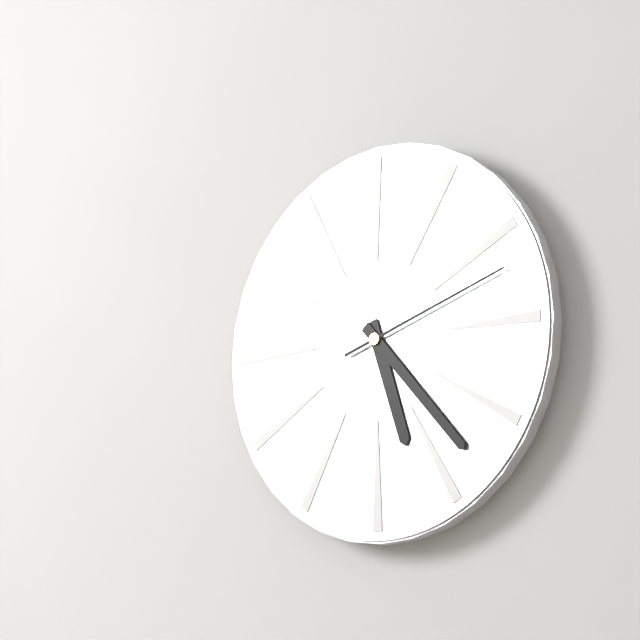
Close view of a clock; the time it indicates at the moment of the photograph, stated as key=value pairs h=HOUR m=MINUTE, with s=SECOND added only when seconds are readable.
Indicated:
h=5 m=23 s=12
